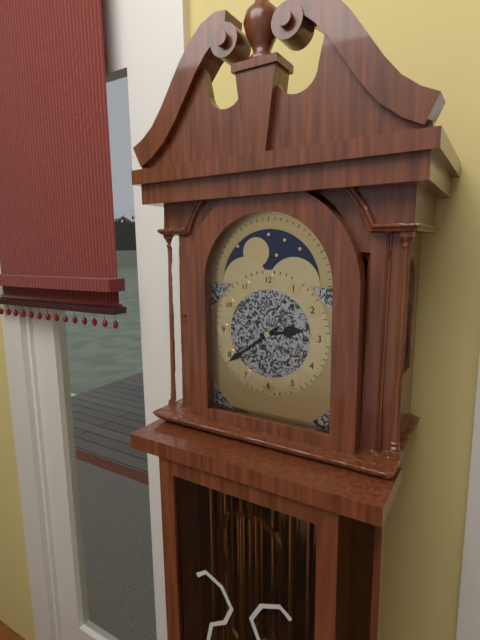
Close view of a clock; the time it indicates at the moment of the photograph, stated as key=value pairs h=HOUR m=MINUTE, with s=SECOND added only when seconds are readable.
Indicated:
h=2 m=39
